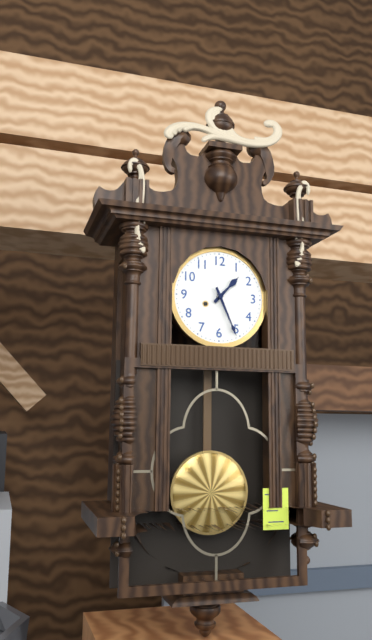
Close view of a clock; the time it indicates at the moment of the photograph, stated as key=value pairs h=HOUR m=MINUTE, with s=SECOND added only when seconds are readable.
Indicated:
h=1 m=26
